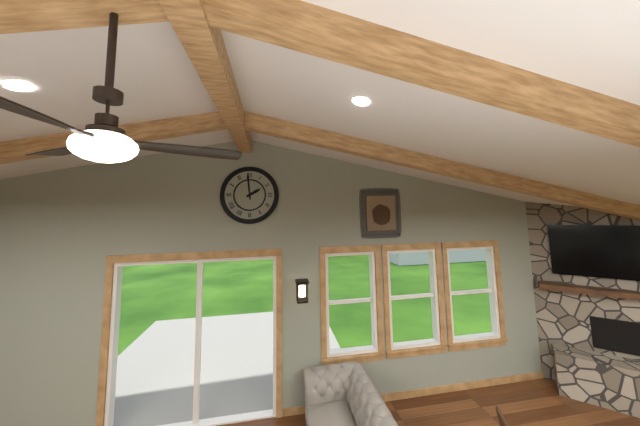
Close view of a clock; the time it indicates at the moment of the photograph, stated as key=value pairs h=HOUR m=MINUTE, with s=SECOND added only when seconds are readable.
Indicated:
h=1 m=59
